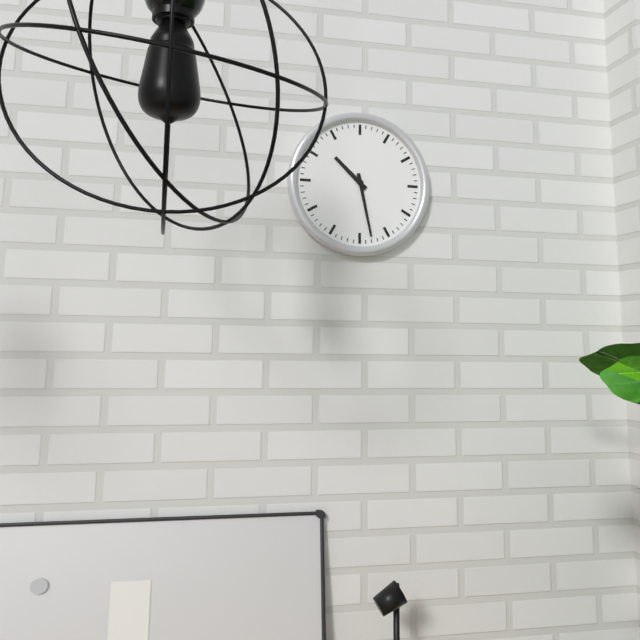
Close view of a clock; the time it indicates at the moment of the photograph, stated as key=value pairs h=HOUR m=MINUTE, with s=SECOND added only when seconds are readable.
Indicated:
h=10 m=28
